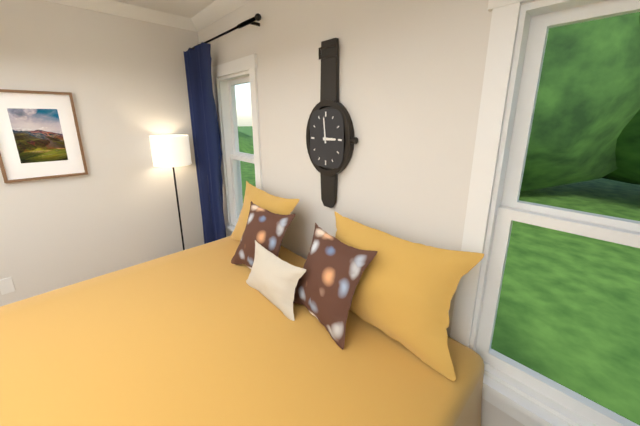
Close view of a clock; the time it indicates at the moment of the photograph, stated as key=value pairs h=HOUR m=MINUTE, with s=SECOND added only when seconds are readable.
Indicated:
h=2 m=59
